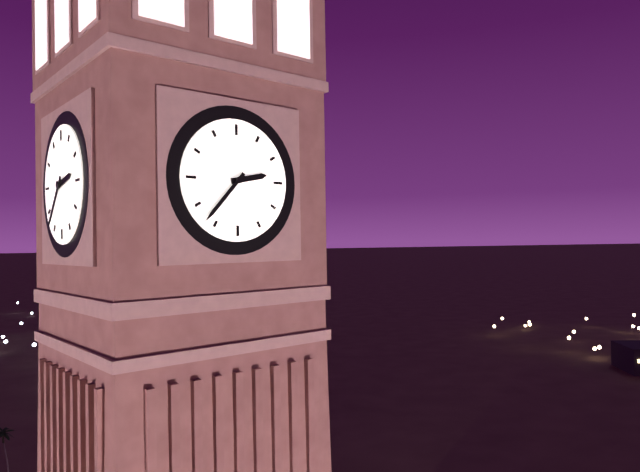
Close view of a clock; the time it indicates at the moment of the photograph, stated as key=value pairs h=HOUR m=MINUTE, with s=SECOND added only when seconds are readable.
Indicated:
h=2 m=37
